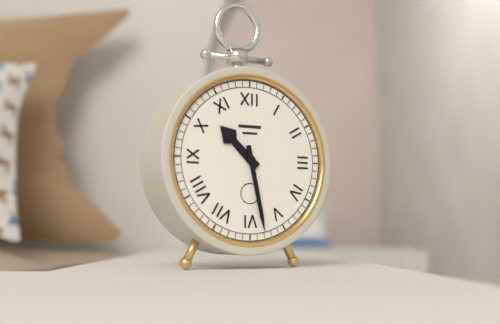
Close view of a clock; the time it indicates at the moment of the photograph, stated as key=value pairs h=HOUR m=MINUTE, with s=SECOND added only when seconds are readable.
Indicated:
h=10 m=28
